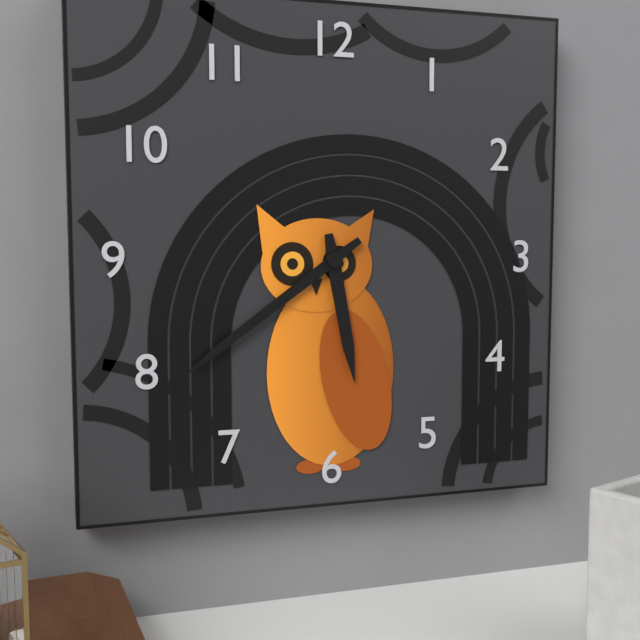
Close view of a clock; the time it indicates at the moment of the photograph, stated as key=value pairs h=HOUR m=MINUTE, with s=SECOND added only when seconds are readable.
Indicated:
h=5 m=39
